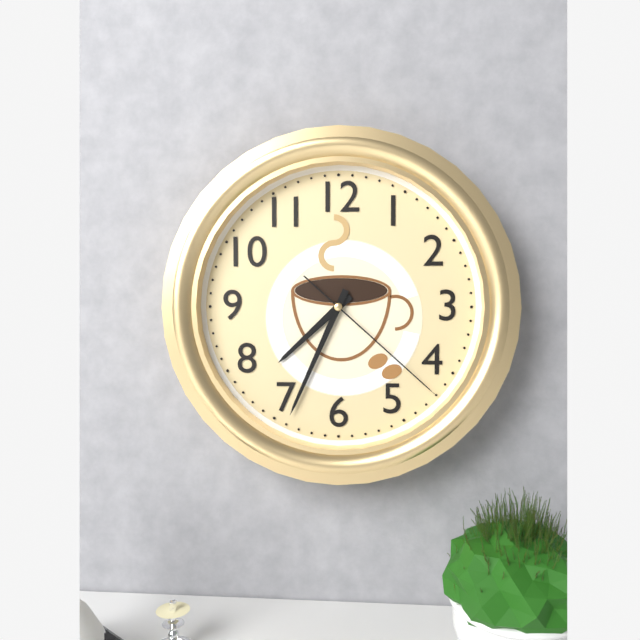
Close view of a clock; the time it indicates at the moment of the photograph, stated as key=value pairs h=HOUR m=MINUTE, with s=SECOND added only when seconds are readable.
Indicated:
h=7 m=34 s=22
